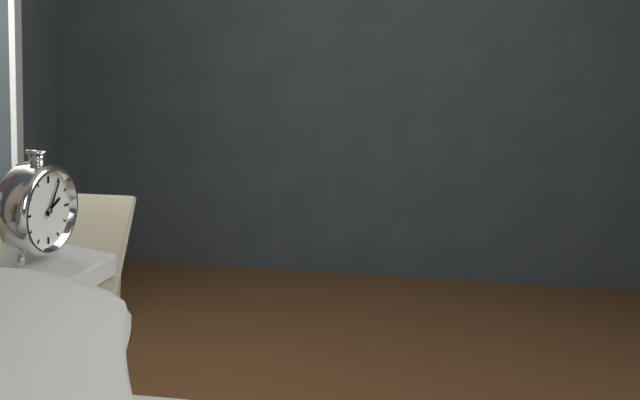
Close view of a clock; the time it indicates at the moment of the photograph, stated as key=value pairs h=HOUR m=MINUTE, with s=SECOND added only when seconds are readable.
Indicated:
h=2 m=5
